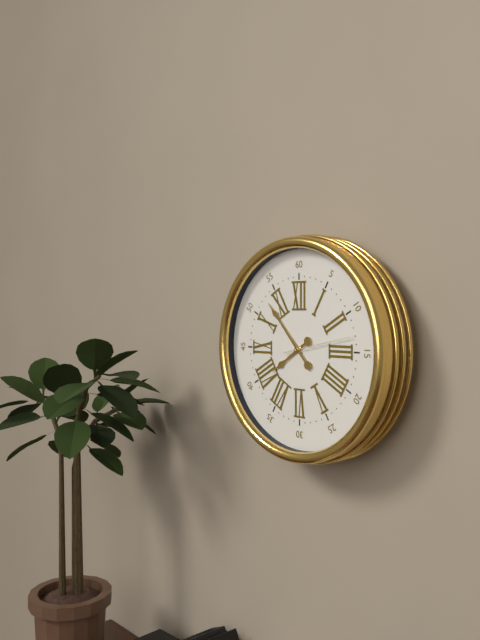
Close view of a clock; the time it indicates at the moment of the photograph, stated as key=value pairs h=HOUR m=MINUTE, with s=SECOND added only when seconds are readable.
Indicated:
h=7 m=53 s=13
